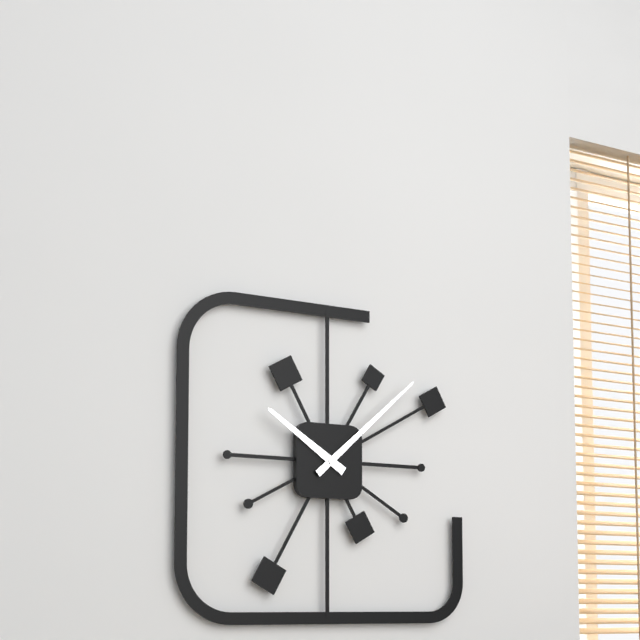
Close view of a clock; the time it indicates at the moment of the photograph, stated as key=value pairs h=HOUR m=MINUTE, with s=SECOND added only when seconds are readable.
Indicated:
h=10 m=8
